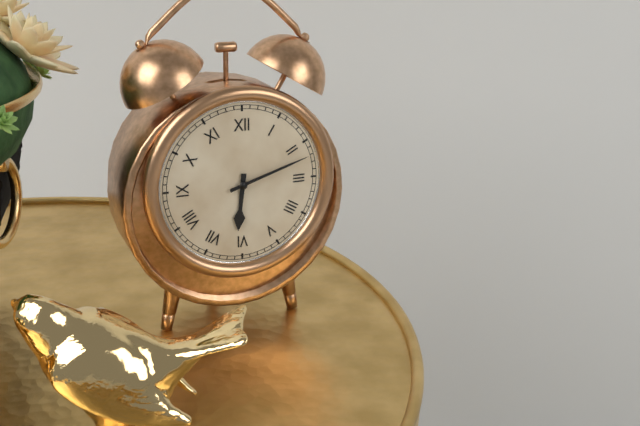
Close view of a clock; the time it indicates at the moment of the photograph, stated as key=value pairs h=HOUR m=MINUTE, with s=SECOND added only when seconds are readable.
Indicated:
h=6 m=12
